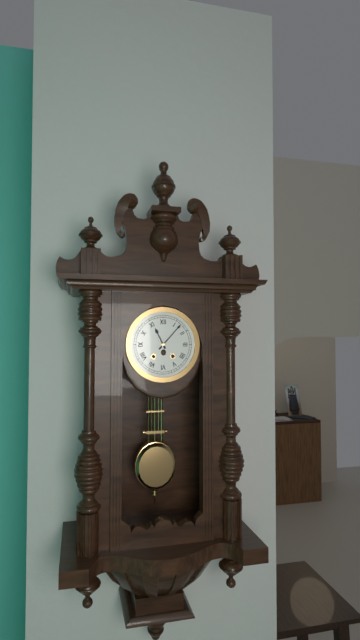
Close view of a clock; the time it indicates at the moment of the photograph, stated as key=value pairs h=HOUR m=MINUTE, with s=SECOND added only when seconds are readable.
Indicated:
h=11 m=7
